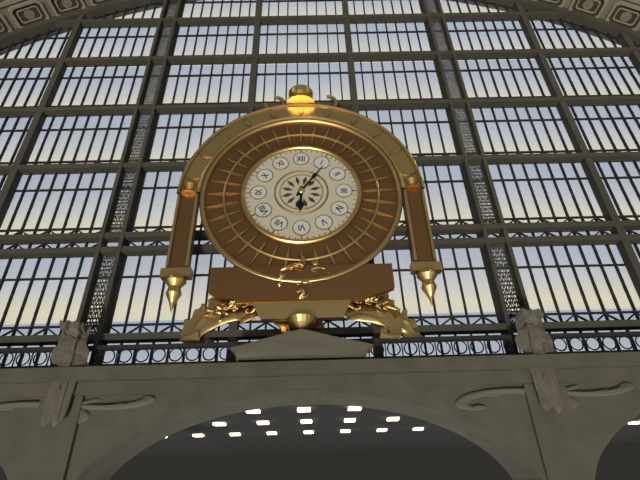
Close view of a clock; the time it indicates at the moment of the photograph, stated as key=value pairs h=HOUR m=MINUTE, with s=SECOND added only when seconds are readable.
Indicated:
h=6 m=6
